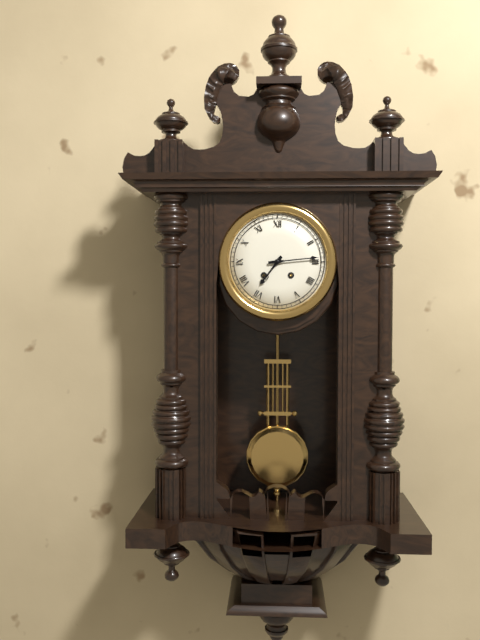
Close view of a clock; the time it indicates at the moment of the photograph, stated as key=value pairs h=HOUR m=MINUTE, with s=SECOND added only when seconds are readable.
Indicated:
h=7 m=14
